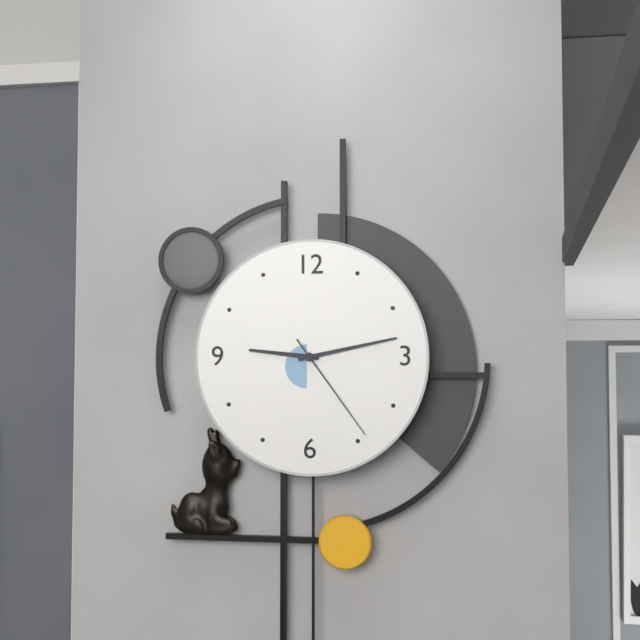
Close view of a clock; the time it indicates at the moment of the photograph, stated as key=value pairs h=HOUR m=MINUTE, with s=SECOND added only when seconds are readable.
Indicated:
h=9 m=13 s=24
